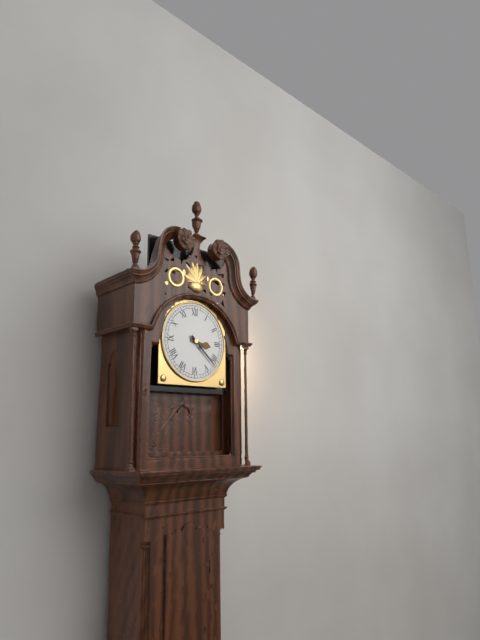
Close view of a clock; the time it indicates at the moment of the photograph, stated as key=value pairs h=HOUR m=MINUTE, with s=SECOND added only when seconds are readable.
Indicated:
h=3 m=22
